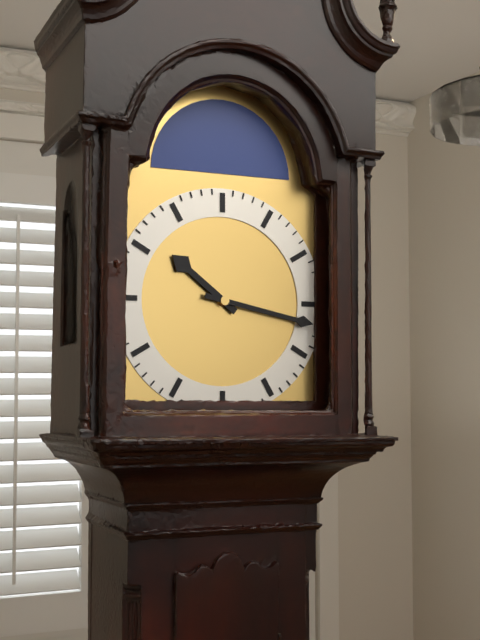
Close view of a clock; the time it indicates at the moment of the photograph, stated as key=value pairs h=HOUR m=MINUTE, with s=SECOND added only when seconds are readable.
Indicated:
h=10 m=17
